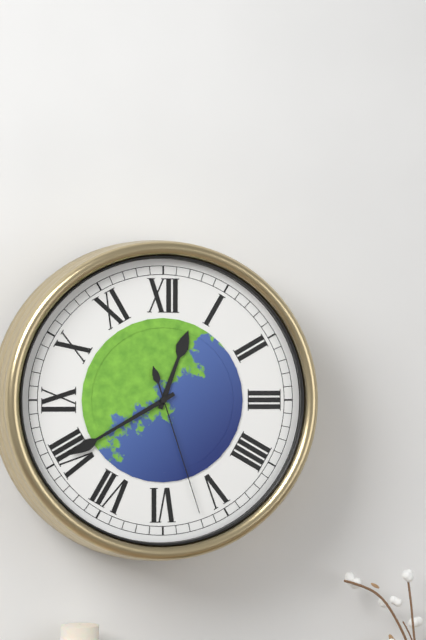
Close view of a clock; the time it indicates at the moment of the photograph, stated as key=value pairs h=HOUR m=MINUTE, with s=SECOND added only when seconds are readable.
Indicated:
h=12 m=40 s=27
